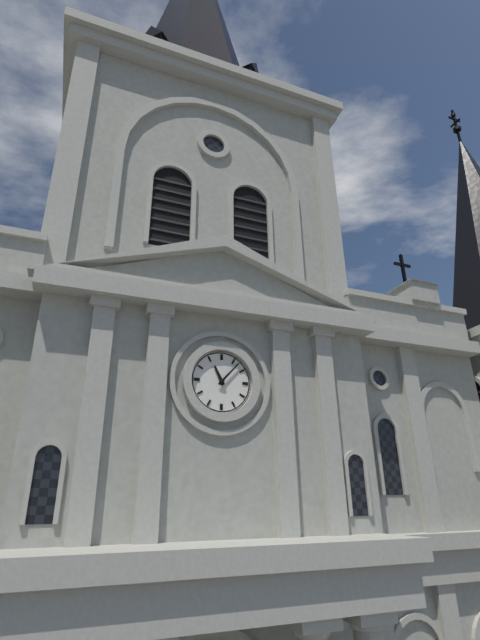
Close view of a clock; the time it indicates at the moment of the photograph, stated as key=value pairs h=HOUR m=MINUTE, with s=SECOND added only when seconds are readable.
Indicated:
h=11 m=7
